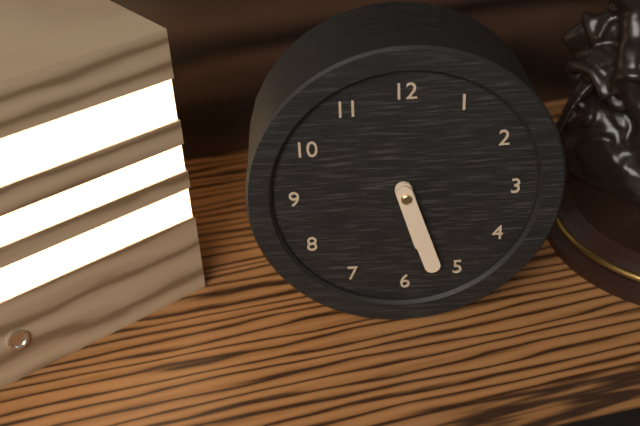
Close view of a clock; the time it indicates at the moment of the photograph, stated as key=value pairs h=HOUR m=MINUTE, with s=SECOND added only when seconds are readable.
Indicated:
h=5 m=27
